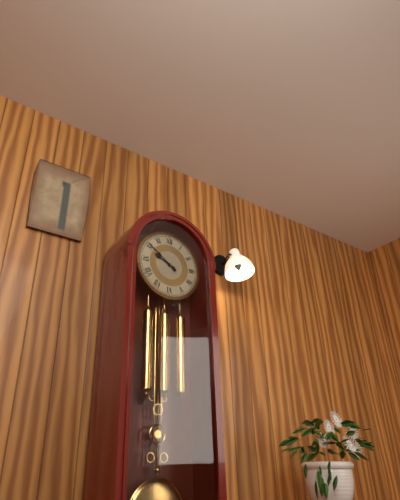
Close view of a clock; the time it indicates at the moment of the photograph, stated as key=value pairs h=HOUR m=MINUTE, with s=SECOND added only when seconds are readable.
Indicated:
h=9 m=51
